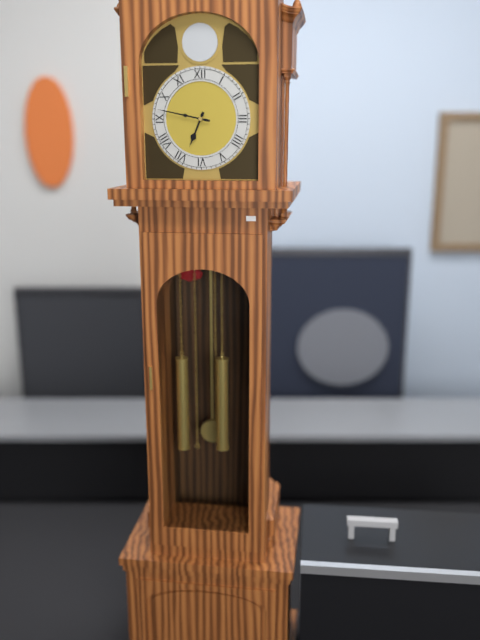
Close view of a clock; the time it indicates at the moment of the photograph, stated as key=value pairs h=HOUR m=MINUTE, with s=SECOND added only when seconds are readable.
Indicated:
h=6 m=47
